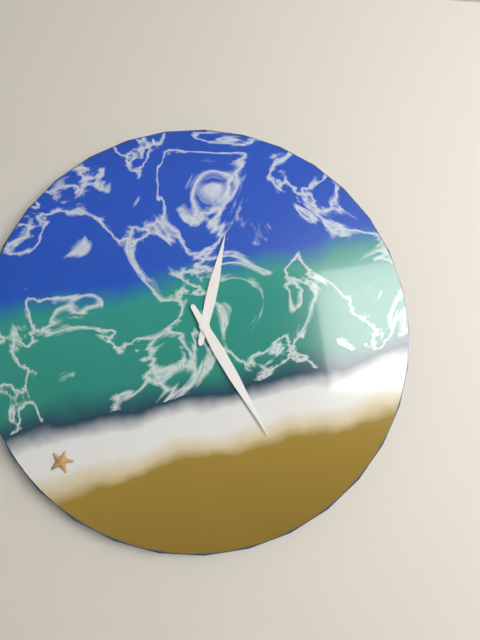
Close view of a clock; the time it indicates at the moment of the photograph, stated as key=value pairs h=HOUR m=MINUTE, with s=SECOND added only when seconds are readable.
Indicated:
h=12 m=25
